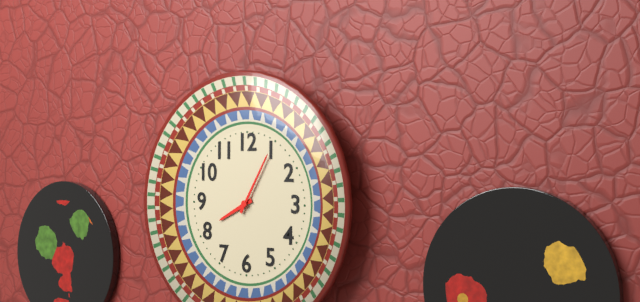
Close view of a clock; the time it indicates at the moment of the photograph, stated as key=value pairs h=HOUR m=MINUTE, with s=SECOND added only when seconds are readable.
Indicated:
h=8 m=5
